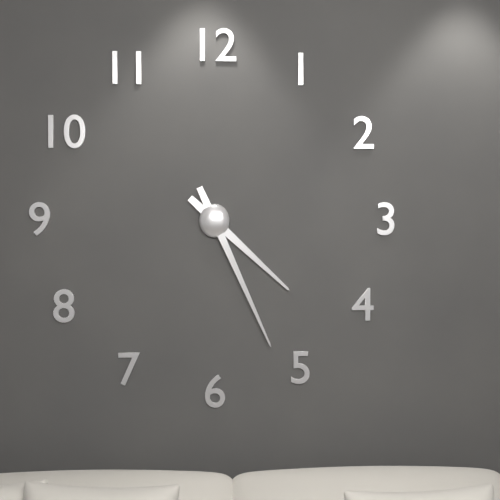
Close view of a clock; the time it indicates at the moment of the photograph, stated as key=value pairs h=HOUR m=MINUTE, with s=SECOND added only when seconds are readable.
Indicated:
h=4 m=26
